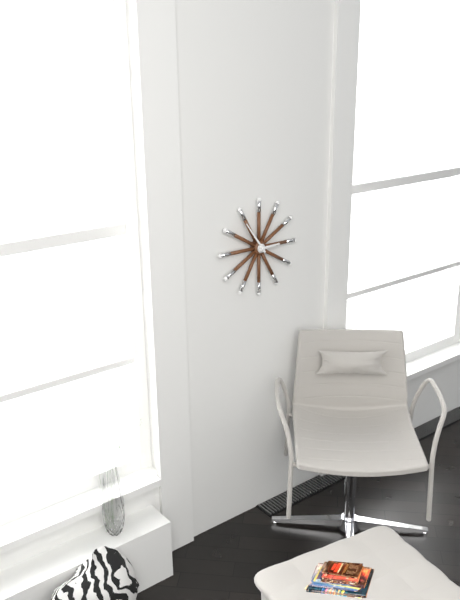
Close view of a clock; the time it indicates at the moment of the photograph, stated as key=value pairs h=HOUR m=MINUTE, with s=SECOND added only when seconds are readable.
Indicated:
h=2 m=54
